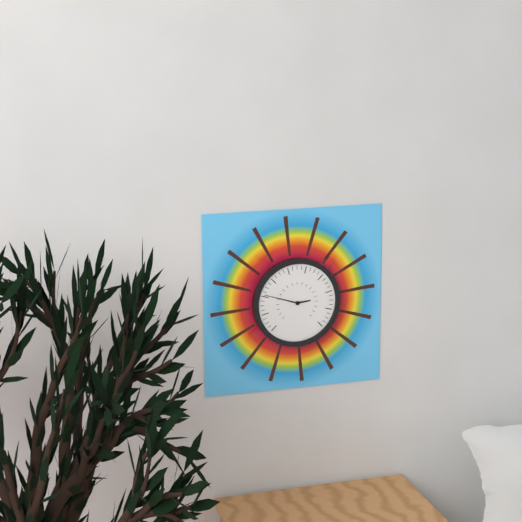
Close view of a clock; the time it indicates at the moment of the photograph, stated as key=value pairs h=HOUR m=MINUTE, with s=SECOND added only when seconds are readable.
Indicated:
h=2 m=48
